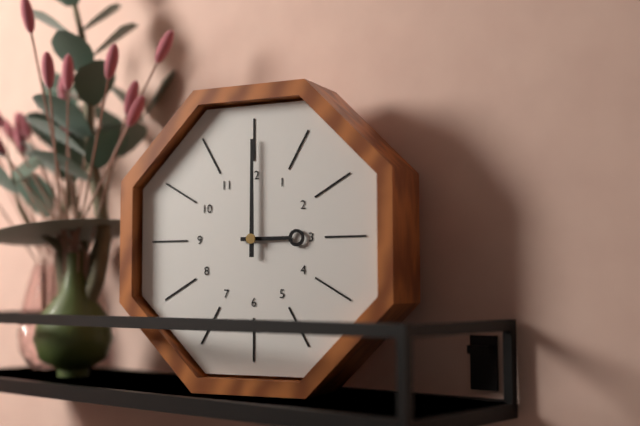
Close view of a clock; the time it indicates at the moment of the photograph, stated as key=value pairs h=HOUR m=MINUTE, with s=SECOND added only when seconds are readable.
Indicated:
h=3 m=0
